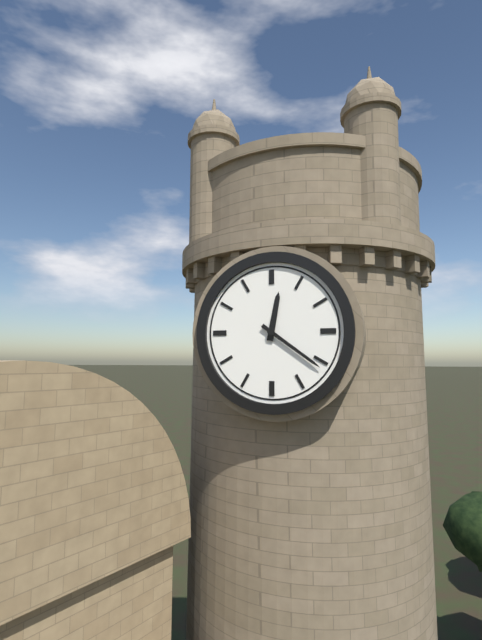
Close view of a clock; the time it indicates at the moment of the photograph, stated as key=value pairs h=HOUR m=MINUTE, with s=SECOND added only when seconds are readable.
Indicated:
h=12 m=21
